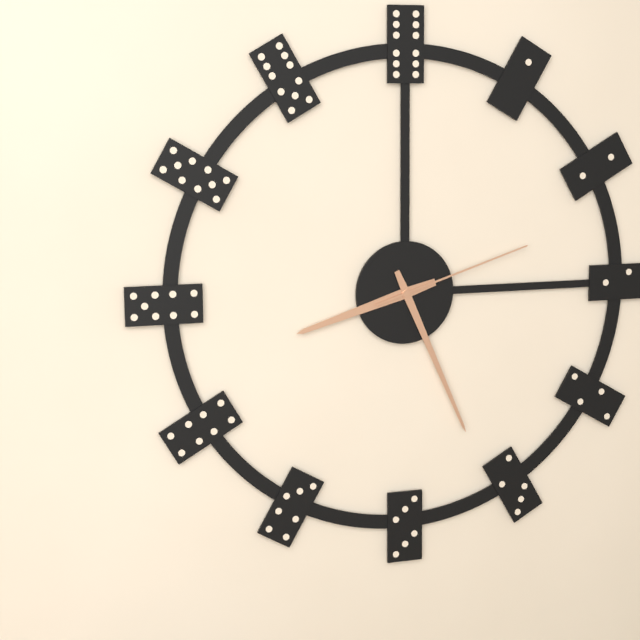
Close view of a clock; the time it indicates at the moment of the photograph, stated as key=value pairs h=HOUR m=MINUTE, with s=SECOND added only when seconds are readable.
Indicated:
h=8 m=26 s=12
